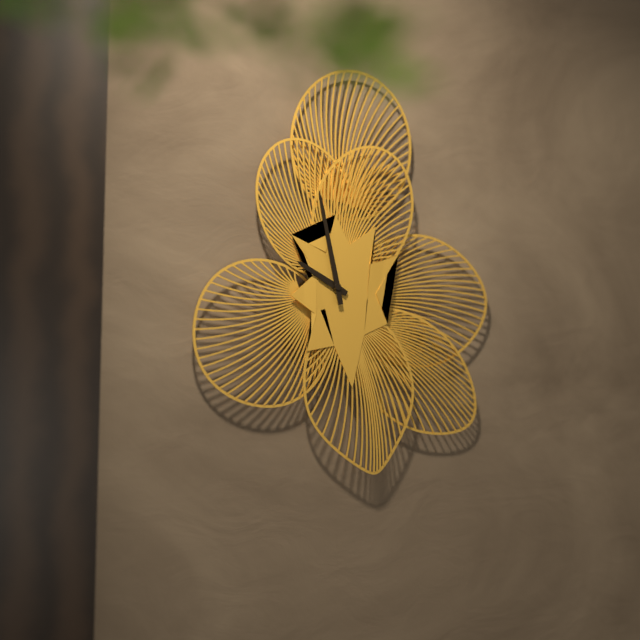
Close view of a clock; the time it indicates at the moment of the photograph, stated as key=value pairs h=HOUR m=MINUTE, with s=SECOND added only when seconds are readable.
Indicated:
h=9 m=58
